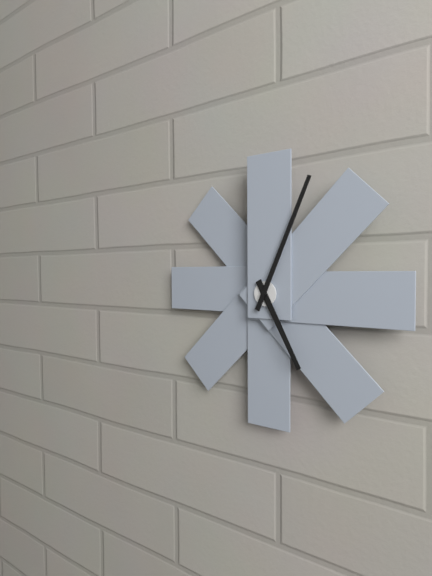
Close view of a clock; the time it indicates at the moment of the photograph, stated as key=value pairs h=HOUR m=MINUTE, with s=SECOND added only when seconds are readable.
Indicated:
h=5 m=4
